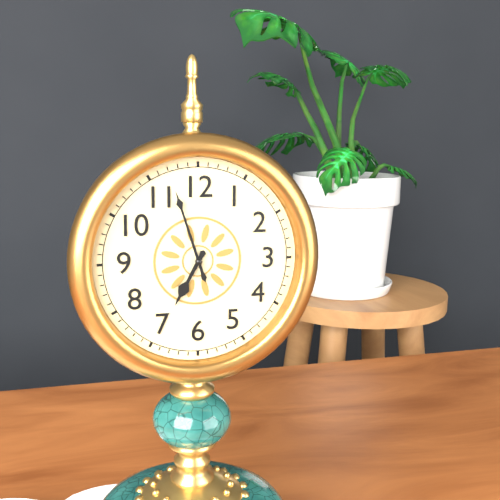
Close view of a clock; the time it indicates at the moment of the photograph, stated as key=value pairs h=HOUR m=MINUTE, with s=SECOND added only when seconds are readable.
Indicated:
h=6 m=57
